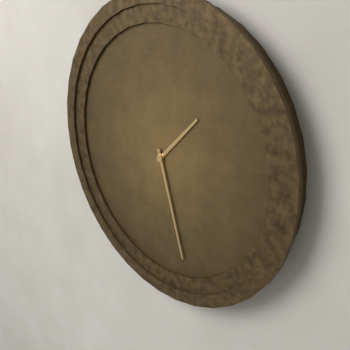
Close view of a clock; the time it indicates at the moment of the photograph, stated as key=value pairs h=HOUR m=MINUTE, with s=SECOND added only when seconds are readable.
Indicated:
h=1 m=27
